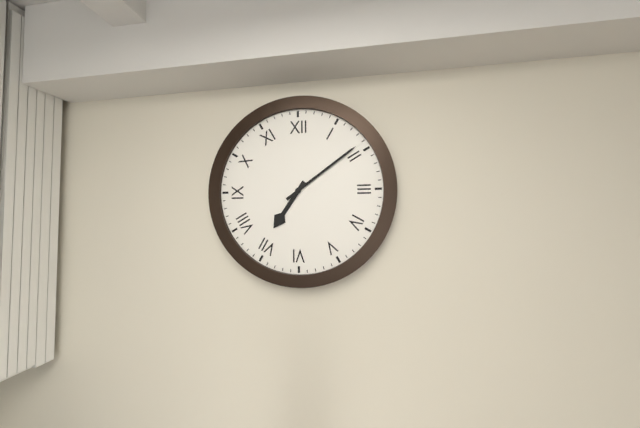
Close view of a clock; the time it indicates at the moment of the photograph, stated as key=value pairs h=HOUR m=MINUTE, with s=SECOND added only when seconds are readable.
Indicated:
h=7 m=9
